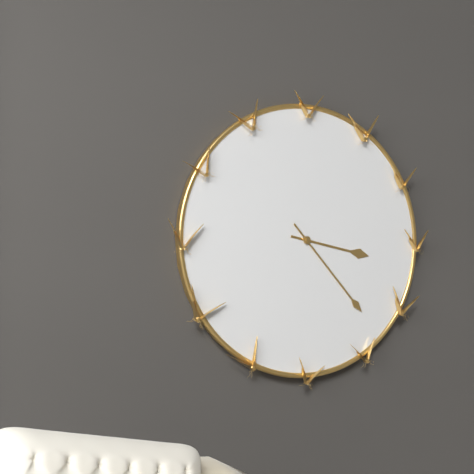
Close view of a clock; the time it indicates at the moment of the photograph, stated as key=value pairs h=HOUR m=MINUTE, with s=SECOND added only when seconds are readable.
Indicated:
h=3 m=23
